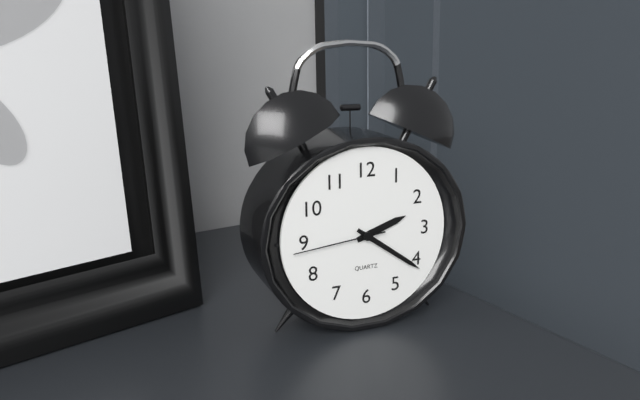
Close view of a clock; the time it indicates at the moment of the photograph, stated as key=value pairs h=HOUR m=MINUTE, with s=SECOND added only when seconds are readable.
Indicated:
h=2 m=21 s=44
